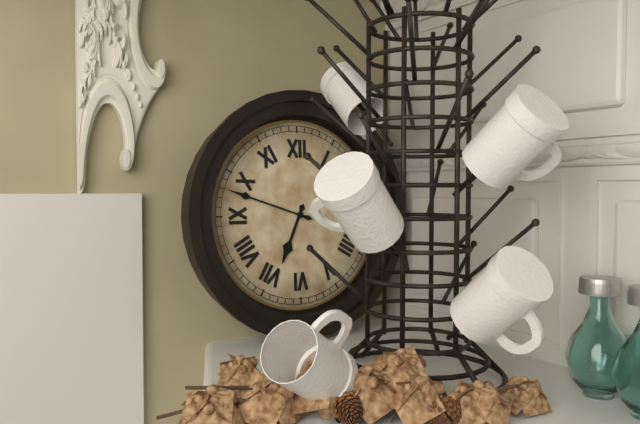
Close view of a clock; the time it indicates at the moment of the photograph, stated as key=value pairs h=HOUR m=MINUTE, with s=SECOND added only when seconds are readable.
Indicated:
h=6 m=48
